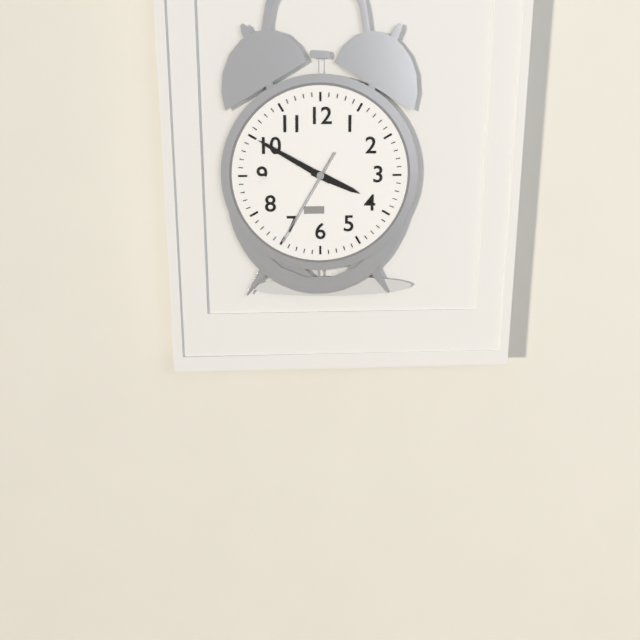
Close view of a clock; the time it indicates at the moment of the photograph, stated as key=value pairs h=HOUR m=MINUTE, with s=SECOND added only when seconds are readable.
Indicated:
h=3 m=50 s=35
